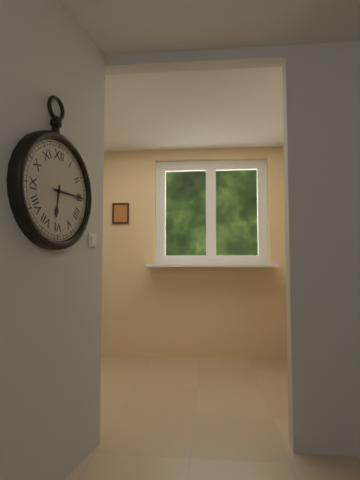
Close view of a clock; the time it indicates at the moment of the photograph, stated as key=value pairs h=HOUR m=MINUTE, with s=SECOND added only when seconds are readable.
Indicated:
h=6 m=15
